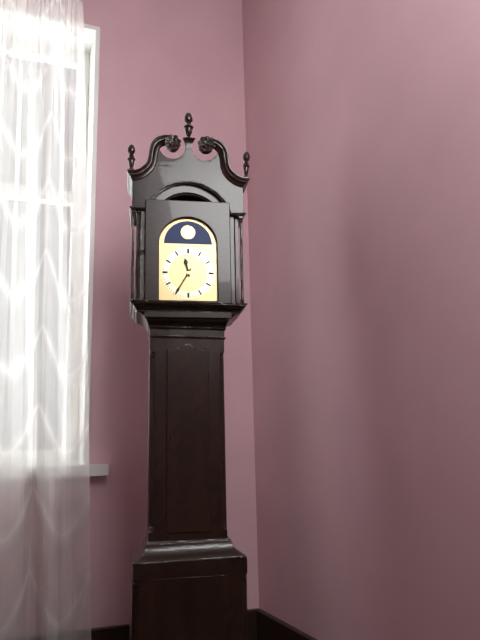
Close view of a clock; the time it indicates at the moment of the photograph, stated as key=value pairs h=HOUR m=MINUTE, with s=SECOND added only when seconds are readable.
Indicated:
h=11 m=35
